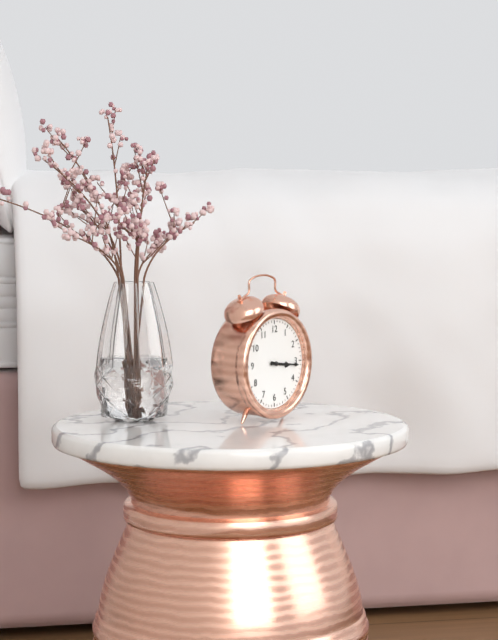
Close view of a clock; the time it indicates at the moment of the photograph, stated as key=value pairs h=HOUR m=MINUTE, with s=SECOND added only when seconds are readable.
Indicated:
h=3 m=16
